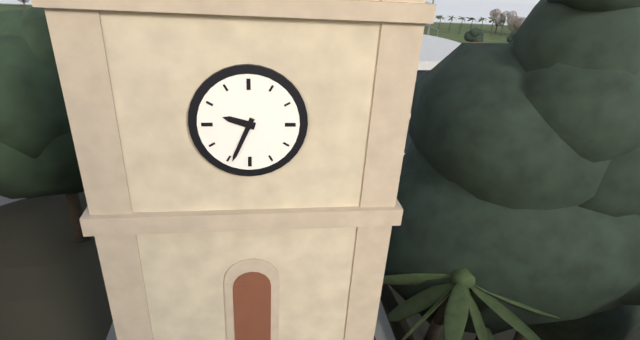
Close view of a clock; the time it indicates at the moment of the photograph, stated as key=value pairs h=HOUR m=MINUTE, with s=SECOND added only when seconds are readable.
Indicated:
h=9 m=34
